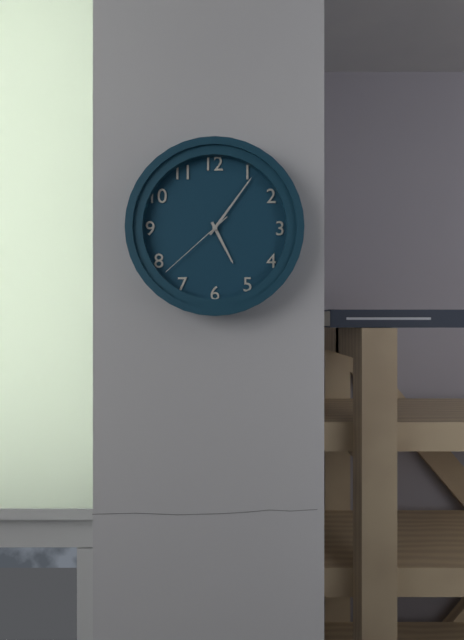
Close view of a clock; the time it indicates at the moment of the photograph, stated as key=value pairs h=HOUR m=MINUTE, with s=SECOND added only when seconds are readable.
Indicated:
h=5 m=6 s=38
